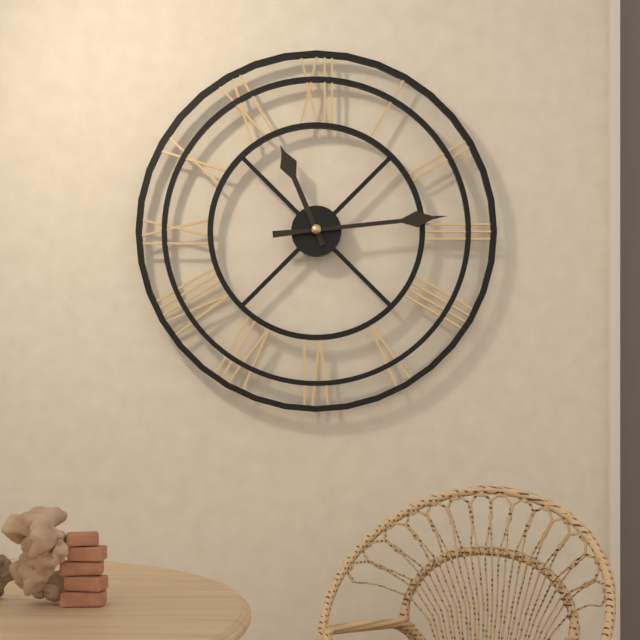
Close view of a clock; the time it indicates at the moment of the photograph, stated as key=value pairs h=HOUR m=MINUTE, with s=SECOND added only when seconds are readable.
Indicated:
h=11 m=14
